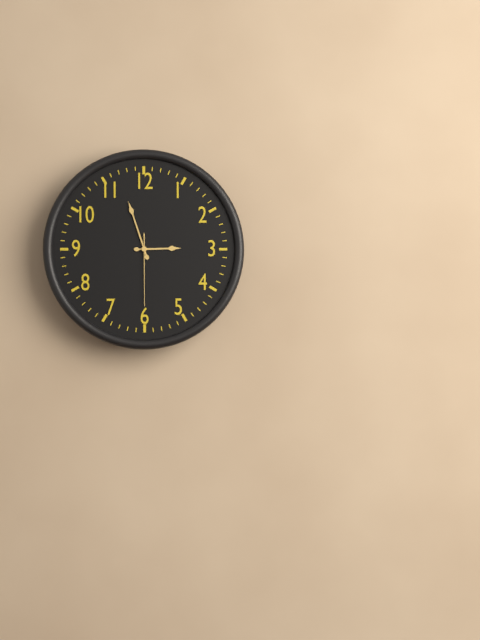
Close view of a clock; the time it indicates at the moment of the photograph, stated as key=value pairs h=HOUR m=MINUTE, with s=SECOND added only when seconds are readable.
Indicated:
h=2 m=57 s=30
